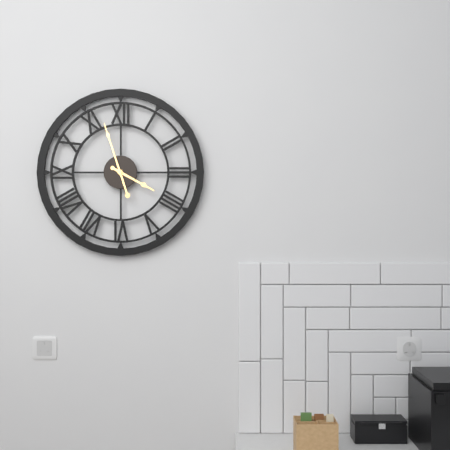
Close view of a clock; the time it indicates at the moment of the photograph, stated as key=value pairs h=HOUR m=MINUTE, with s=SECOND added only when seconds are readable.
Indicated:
h=3 m=57
